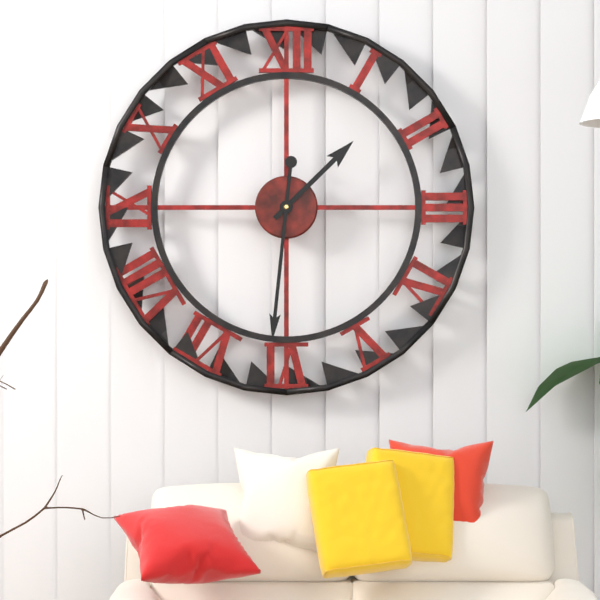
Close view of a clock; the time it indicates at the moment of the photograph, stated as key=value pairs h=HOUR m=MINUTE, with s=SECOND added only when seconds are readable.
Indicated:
h=1 m=31
